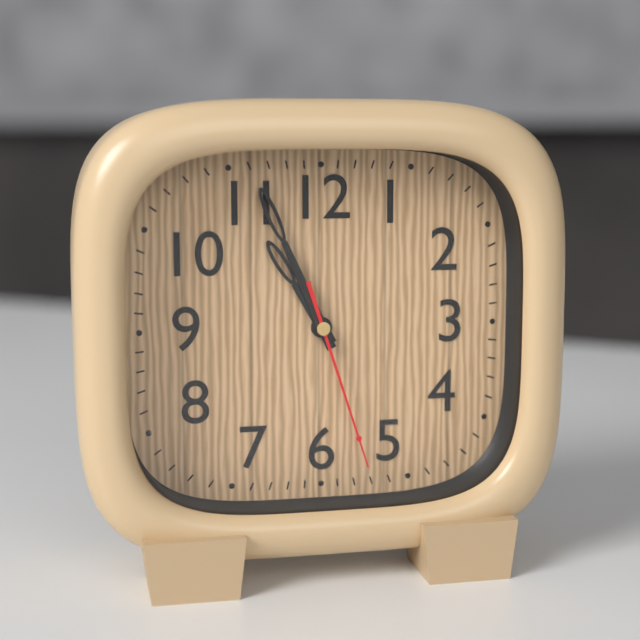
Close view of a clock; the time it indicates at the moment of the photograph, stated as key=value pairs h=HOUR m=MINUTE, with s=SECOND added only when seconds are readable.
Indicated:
h=10 m=56 s=27
